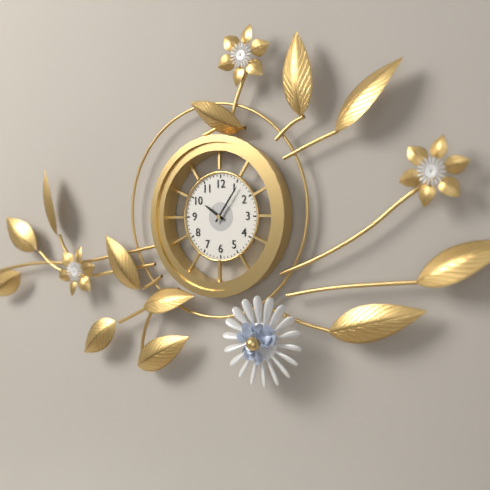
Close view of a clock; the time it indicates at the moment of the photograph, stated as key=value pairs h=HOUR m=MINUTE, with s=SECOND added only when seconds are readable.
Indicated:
h=10 m=6
